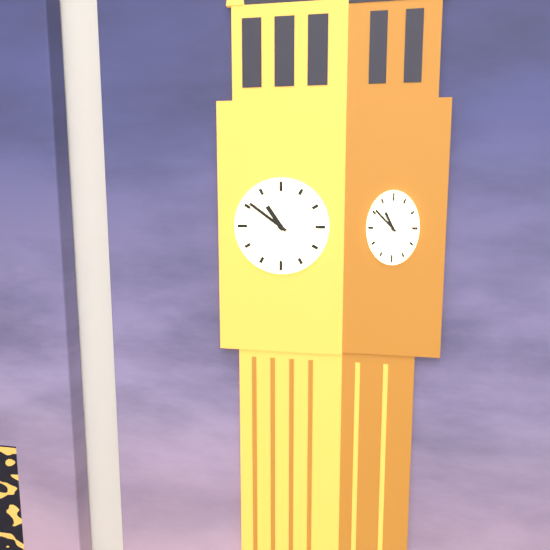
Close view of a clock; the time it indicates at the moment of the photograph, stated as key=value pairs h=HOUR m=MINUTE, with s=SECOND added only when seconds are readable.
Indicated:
h=10 m=51
